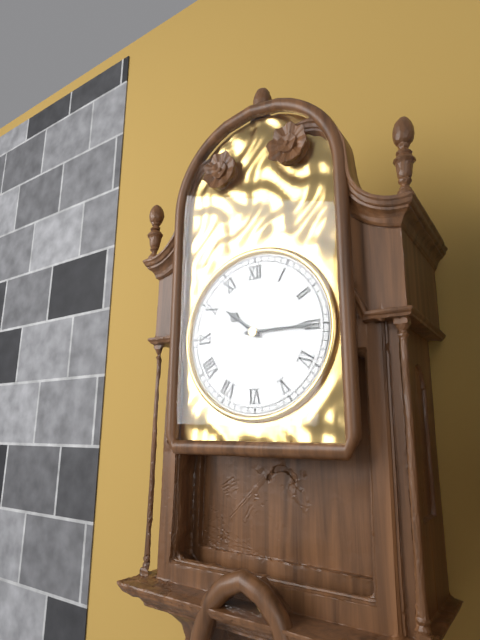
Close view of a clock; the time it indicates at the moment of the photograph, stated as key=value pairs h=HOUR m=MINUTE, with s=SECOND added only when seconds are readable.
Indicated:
h=10 m=15
